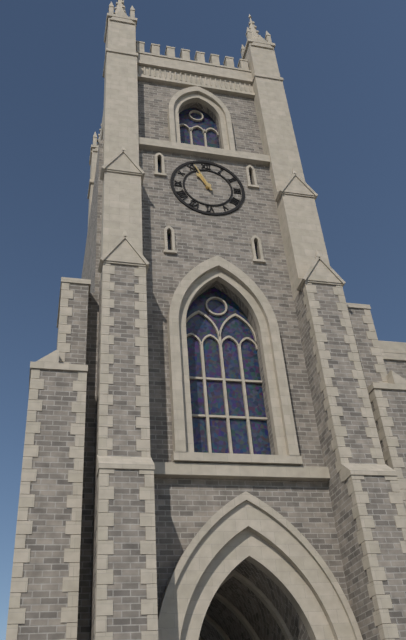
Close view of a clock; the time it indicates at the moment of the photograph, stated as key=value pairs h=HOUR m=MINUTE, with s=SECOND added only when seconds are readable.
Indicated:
h=10 m=56
